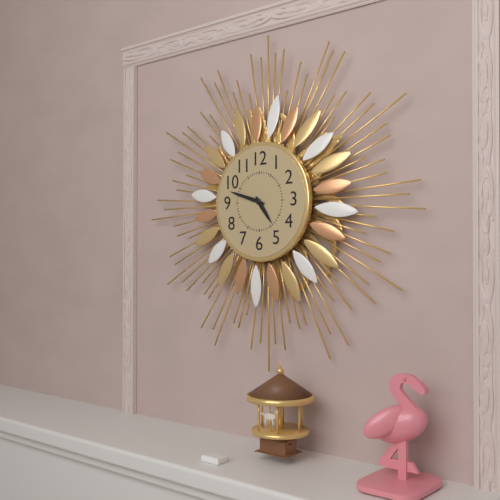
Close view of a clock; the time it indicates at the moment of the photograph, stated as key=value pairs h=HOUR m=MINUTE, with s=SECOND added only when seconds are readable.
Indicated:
h=4 m=48
